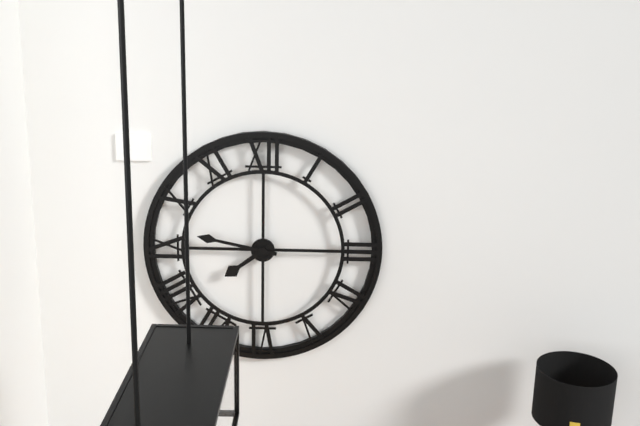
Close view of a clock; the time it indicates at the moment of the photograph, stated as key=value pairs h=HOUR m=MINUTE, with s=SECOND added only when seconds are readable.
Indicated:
h=7 m=47
